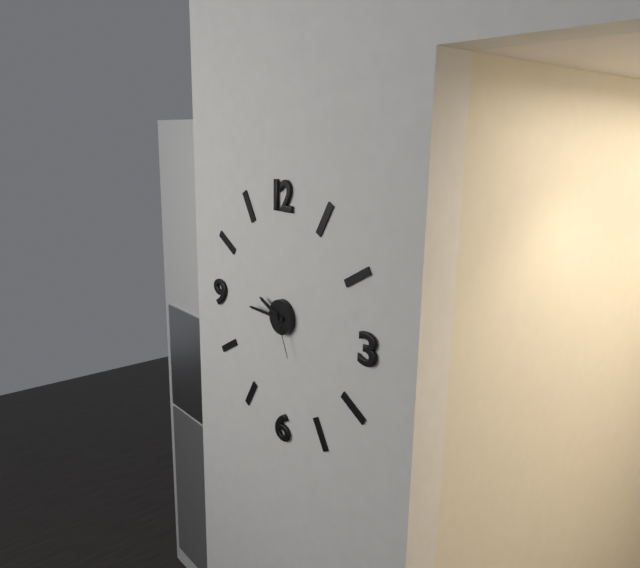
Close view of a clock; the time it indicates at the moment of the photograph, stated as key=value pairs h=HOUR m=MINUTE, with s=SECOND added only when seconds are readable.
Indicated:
h=9 m=45 s=26
